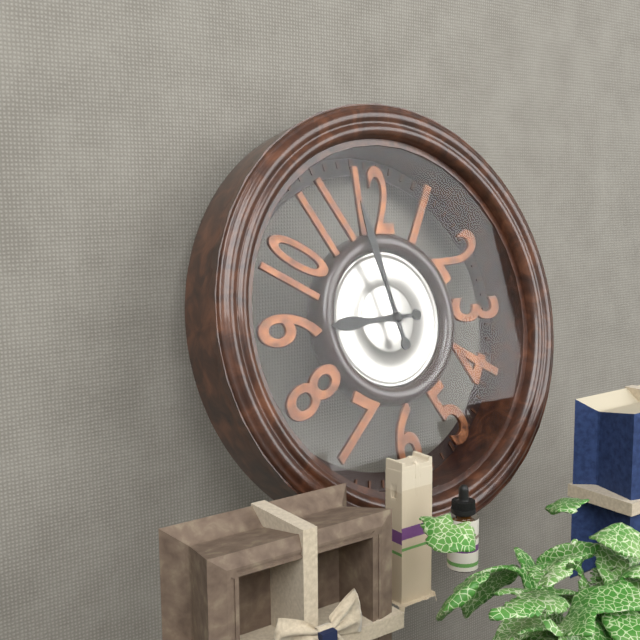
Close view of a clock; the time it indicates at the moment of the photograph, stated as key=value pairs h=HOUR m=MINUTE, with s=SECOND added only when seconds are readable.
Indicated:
h=8 m=58
